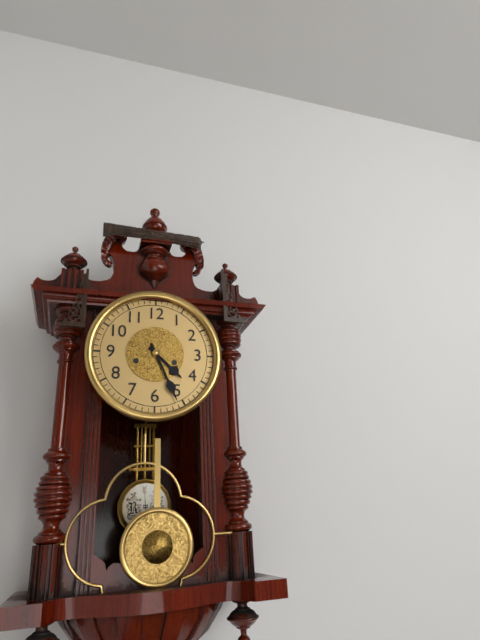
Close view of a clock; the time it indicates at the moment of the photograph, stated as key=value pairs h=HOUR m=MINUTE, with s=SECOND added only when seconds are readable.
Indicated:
h=4 m=26
